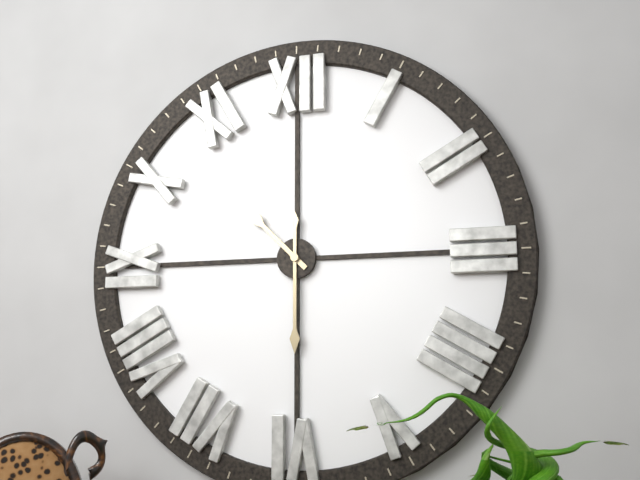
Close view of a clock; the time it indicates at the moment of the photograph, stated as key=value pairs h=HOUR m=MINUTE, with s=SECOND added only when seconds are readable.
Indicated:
h=10 m=30
